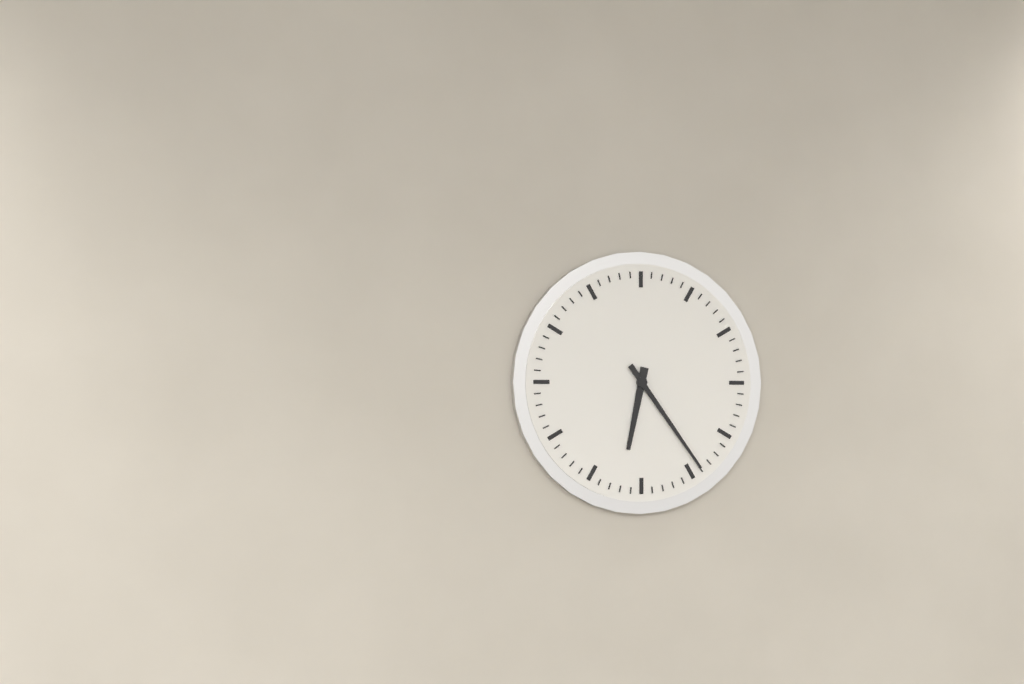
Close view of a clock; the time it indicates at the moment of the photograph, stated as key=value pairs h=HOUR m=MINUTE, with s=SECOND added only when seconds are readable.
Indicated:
h=6 m=24
